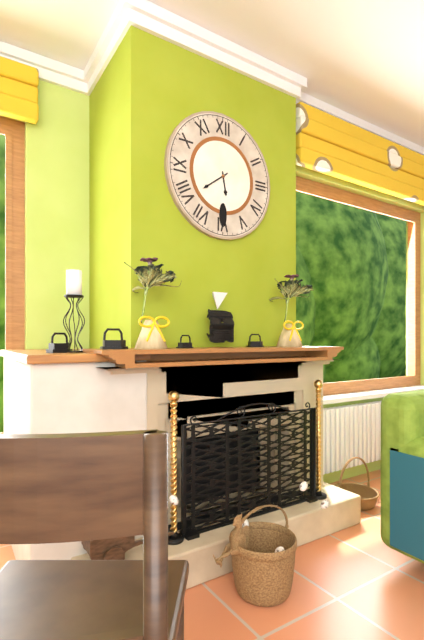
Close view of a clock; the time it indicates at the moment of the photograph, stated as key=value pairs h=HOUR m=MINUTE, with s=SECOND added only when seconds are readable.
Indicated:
h=5 m=39
